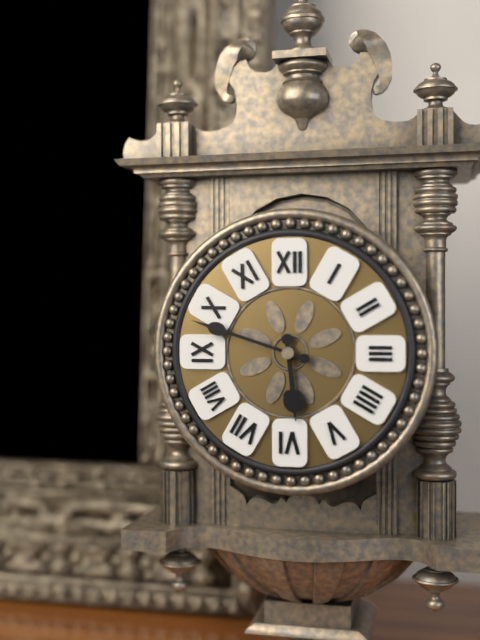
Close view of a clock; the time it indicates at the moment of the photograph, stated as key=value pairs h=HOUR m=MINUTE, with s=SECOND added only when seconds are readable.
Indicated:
h=5 m=48
